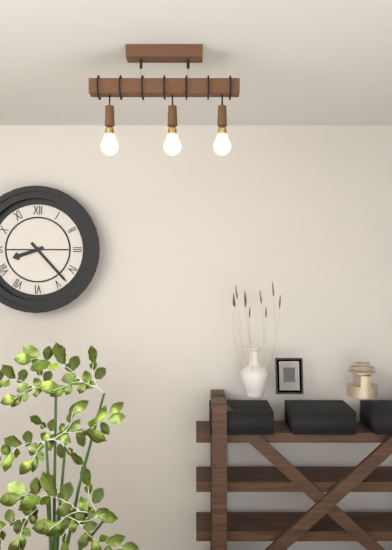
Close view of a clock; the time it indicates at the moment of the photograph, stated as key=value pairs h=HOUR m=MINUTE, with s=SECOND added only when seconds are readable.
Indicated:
h=8 m=23
